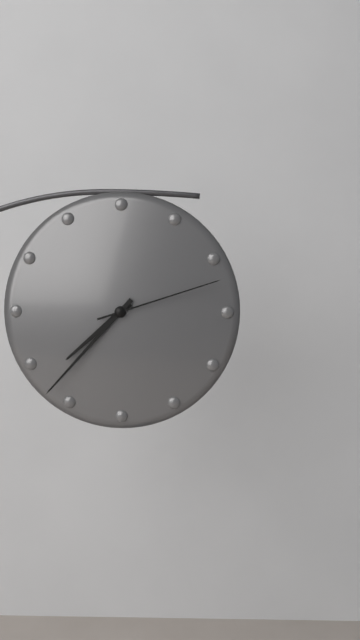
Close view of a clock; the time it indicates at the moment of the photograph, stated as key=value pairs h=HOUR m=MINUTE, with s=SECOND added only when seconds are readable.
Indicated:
h=7 m=37 s=12
